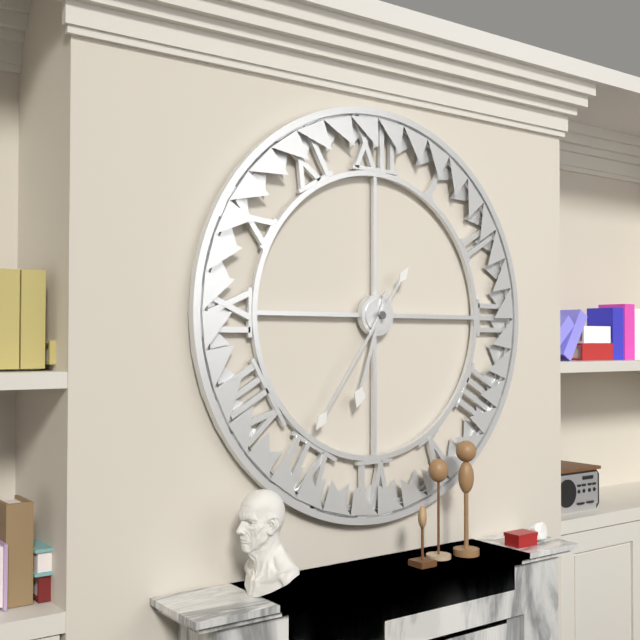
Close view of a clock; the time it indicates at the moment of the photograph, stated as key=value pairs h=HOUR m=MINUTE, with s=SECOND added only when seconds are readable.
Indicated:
h=6 m=36
